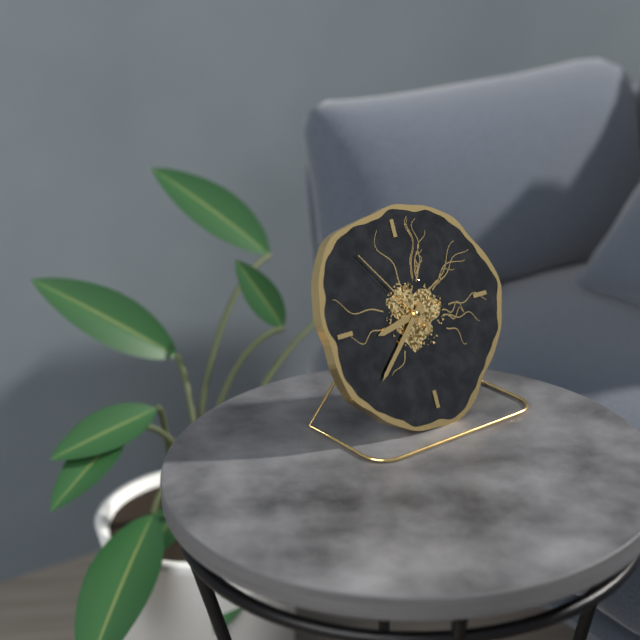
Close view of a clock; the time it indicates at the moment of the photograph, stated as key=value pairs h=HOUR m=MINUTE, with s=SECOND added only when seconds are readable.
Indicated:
h=8 m=38 s=54
